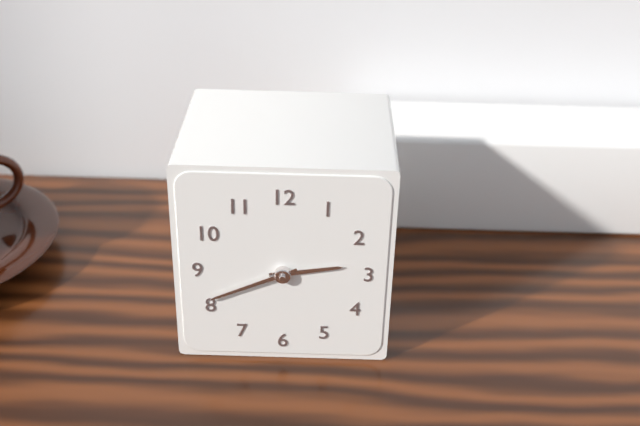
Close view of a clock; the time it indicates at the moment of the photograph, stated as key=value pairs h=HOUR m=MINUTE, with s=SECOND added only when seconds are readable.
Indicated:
h=2 m=41
